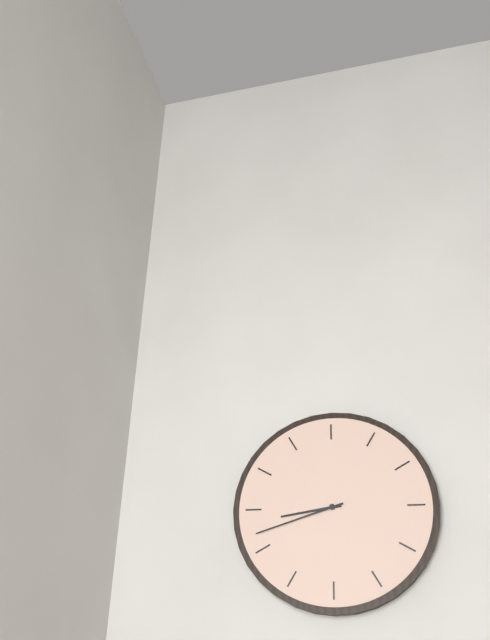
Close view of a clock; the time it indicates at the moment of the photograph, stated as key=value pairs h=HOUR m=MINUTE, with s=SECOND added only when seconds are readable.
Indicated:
h=8 m=42
